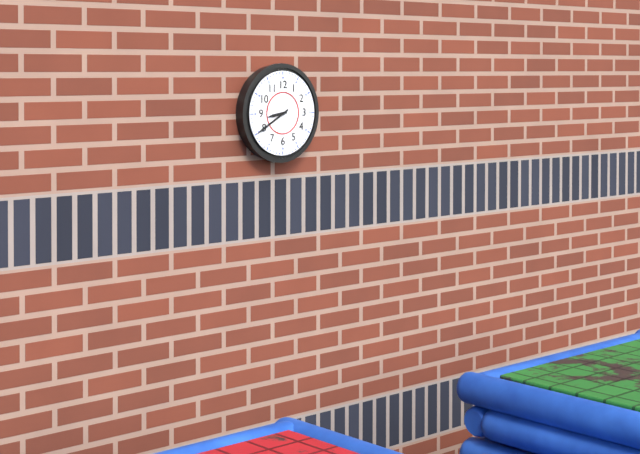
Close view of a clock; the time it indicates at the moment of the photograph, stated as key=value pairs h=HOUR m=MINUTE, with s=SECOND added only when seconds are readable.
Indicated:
h=8 m=40
